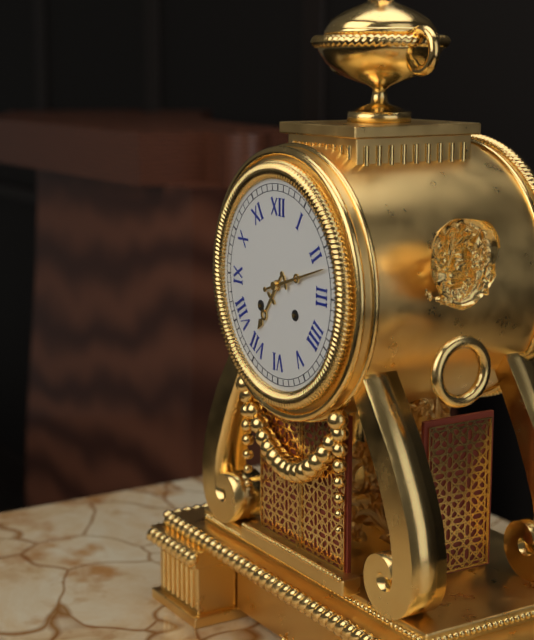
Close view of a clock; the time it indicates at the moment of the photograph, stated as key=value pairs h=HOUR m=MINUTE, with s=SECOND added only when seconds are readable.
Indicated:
h=7 m=12
